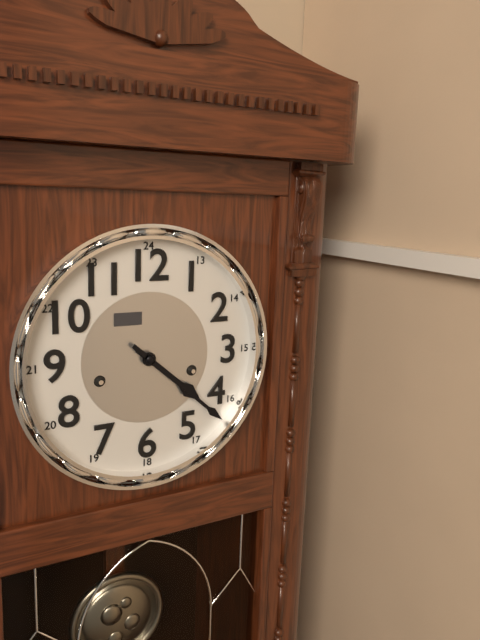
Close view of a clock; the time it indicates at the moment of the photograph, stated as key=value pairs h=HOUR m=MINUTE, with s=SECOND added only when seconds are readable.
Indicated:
h=4 m=22
